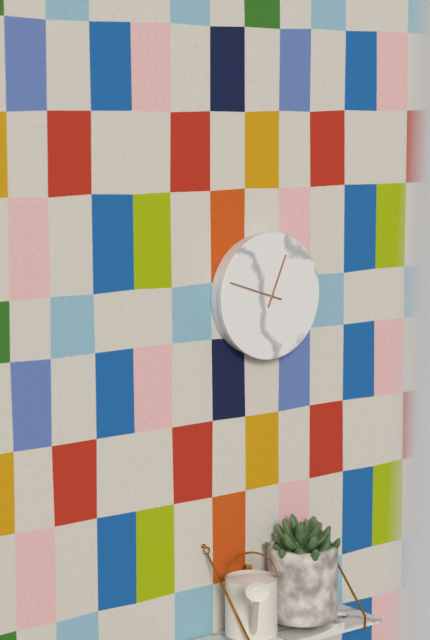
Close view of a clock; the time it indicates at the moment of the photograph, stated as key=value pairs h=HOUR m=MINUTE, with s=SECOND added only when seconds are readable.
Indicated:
h=12 m=48
